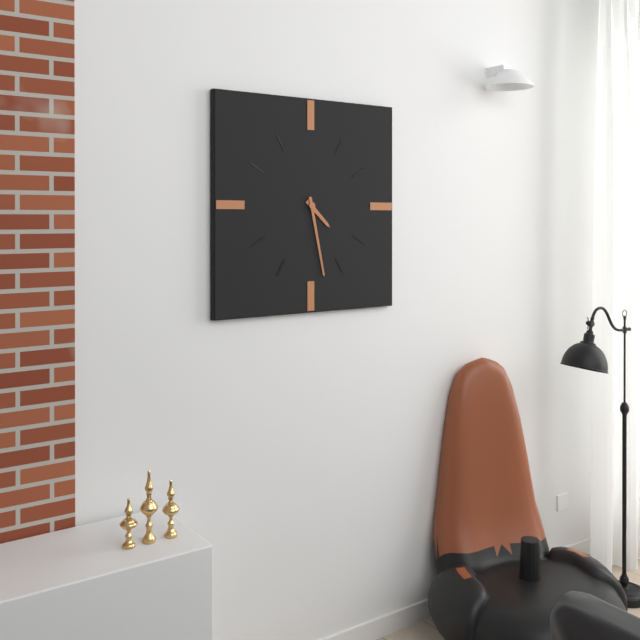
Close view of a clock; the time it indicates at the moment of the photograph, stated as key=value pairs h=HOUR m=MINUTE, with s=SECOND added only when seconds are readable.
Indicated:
h=4 m=28
